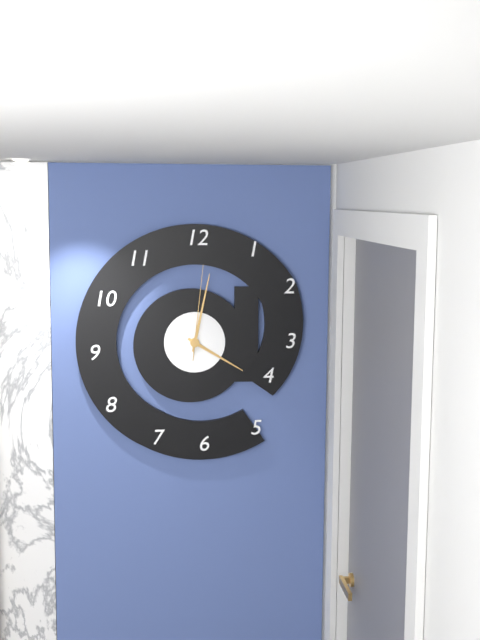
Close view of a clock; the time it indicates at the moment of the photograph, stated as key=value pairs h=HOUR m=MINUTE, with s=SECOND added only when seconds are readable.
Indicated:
h=4 m=2 s=1
